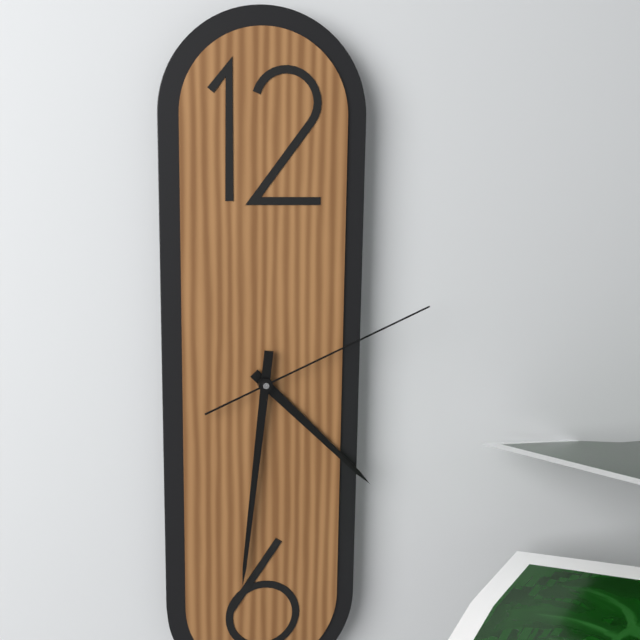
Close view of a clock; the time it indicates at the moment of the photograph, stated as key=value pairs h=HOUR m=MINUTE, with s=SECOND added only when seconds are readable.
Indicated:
h=4 m=31 s=11
